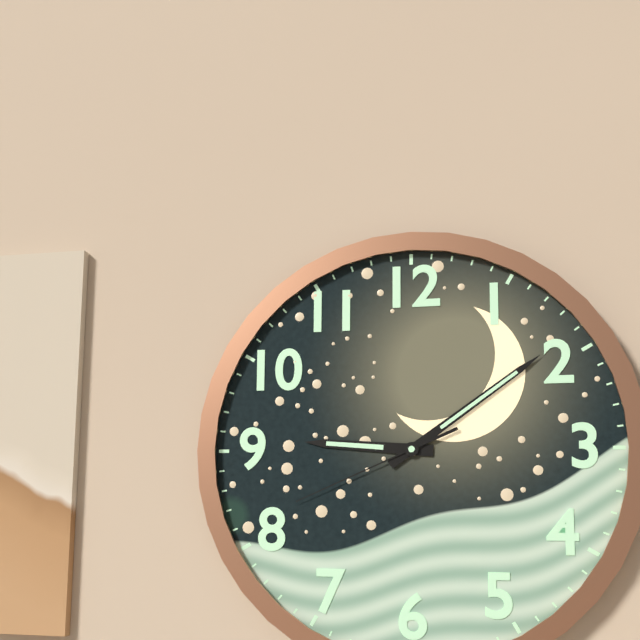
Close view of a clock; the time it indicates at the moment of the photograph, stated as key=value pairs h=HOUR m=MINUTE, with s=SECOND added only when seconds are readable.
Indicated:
h=9 m=9 s=41
